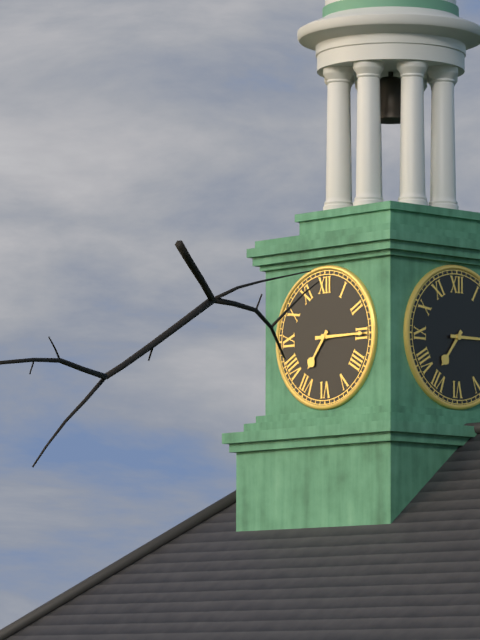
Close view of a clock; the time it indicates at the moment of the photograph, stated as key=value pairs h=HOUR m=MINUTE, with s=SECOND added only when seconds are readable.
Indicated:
h=7 m=15
